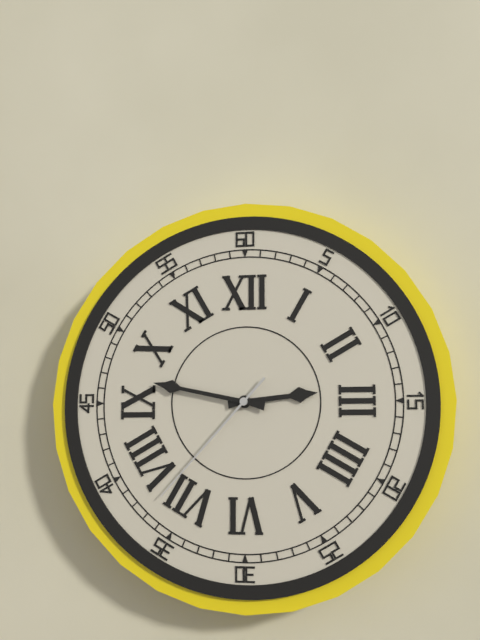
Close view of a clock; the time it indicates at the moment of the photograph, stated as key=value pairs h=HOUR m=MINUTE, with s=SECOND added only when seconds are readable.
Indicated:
h=2 m=47 s=37
